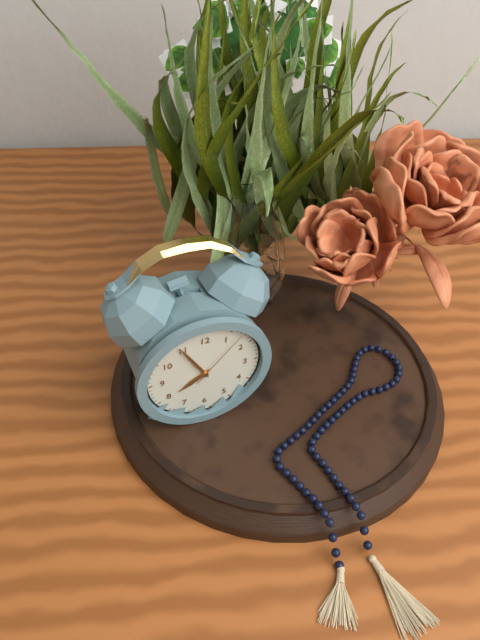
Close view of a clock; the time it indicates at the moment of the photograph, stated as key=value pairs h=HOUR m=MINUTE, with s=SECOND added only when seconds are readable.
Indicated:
h=7 m=55 s=7
